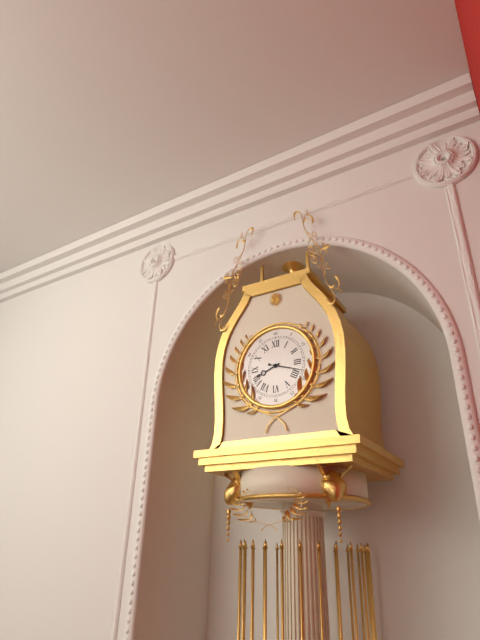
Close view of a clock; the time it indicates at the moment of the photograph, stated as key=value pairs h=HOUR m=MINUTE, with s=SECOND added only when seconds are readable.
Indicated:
h=8 m=18
